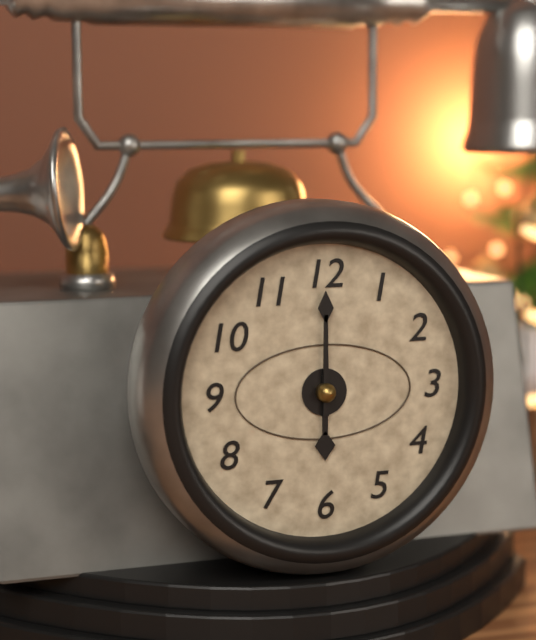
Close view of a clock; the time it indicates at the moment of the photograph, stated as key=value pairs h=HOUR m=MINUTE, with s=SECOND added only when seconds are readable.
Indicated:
h=6 m=0
